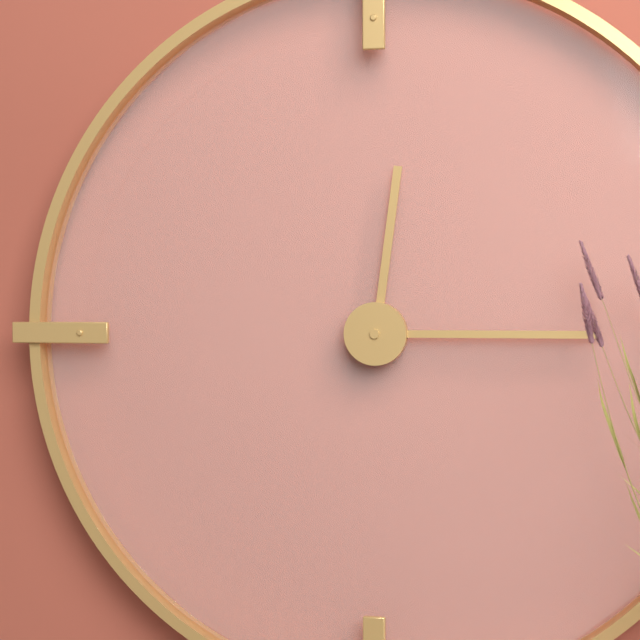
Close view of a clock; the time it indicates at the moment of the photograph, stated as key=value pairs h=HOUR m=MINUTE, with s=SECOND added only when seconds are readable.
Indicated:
h=12 m=15
